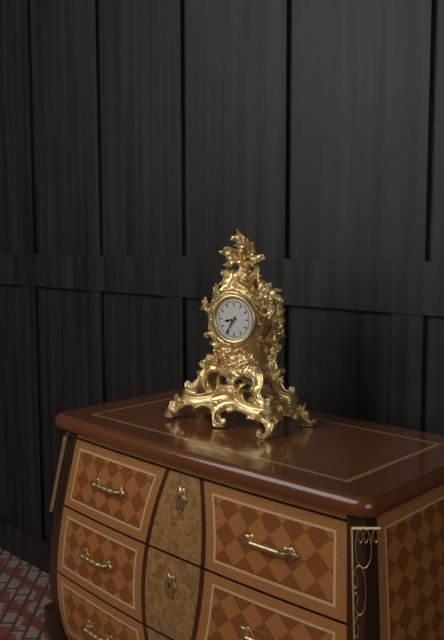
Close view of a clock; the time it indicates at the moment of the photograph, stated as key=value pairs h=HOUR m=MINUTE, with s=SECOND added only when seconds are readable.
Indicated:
h=8 m=35
